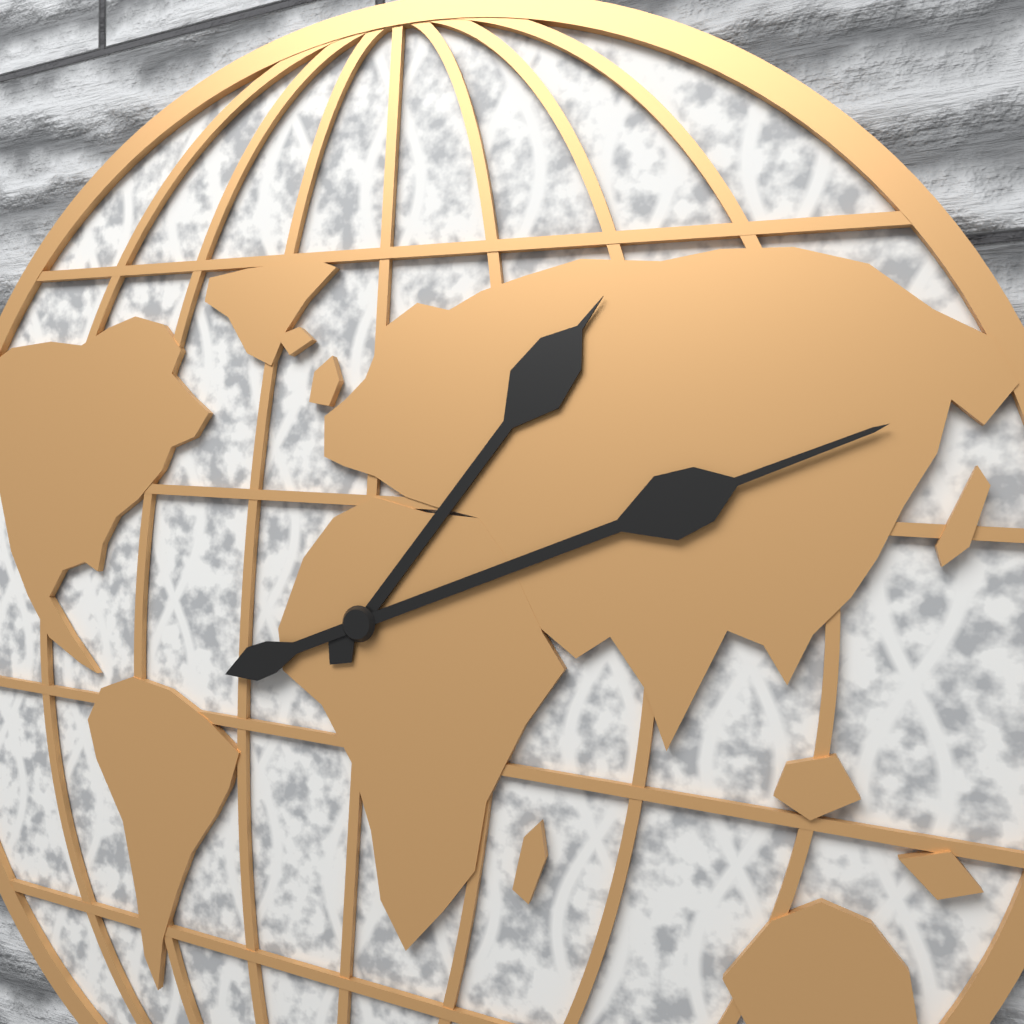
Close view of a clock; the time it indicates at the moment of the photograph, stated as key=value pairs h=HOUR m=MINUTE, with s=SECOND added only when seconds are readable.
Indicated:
h=1 m=11
